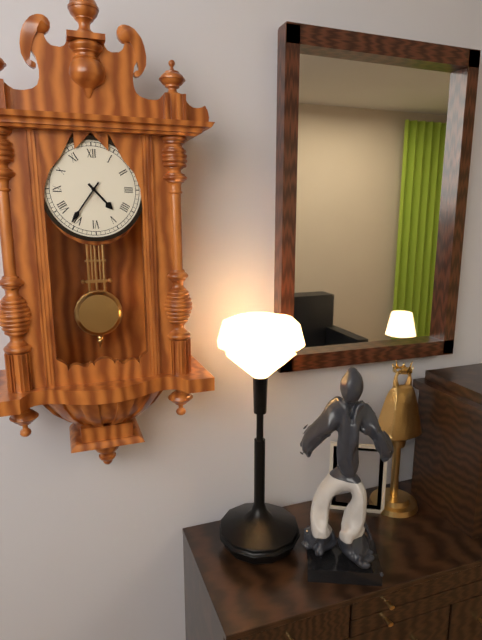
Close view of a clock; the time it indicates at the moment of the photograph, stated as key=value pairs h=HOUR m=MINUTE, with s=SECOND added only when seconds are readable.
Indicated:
h=4 m=36
